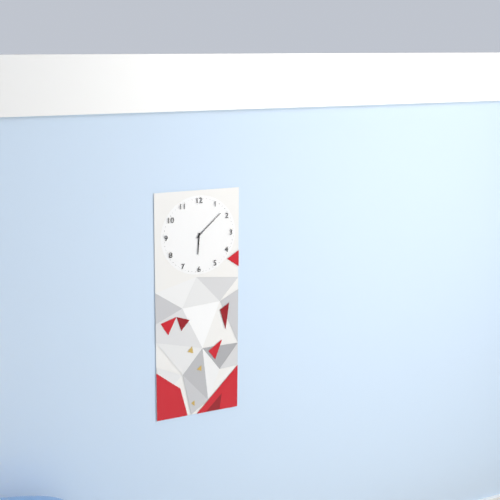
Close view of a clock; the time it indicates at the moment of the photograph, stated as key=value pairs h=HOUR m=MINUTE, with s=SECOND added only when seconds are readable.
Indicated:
h=6 m=8
